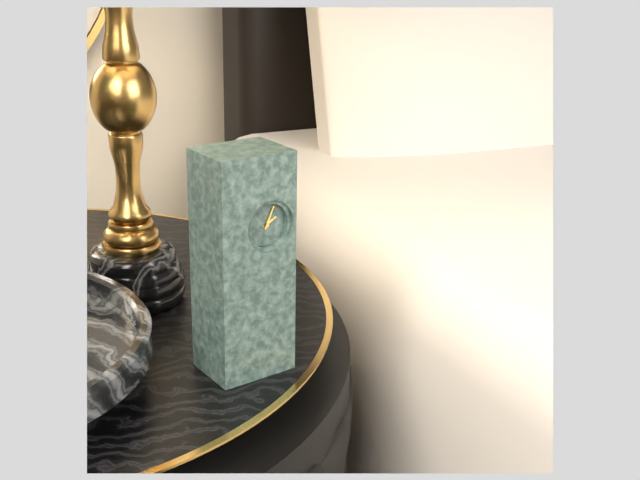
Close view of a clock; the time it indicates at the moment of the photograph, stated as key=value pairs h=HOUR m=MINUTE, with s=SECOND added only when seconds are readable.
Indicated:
h=2 m=4
